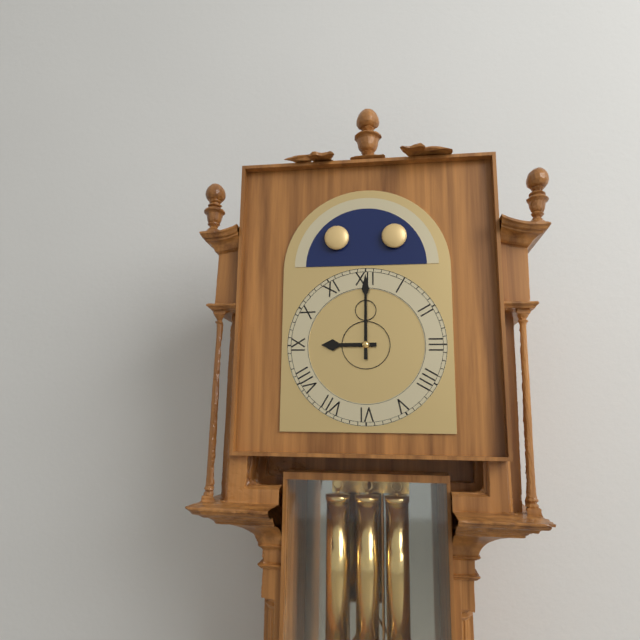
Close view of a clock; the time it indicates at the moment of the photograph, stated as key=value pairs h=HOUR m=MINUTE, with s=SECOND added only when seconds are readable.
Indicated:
h=9 m=0
